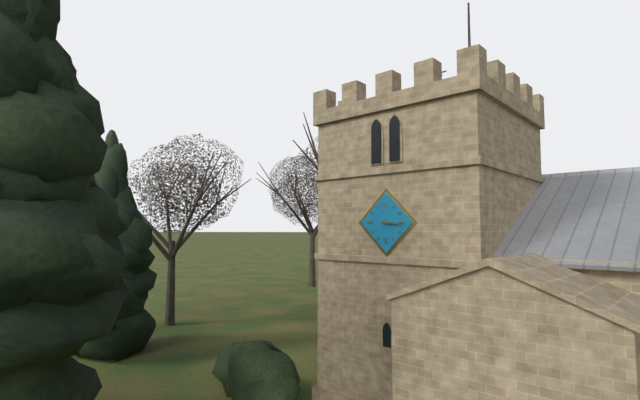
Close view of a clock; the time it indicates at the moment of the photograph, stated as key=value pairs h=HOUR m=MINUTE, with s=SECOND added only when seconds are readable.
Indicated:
h=3 m=16
